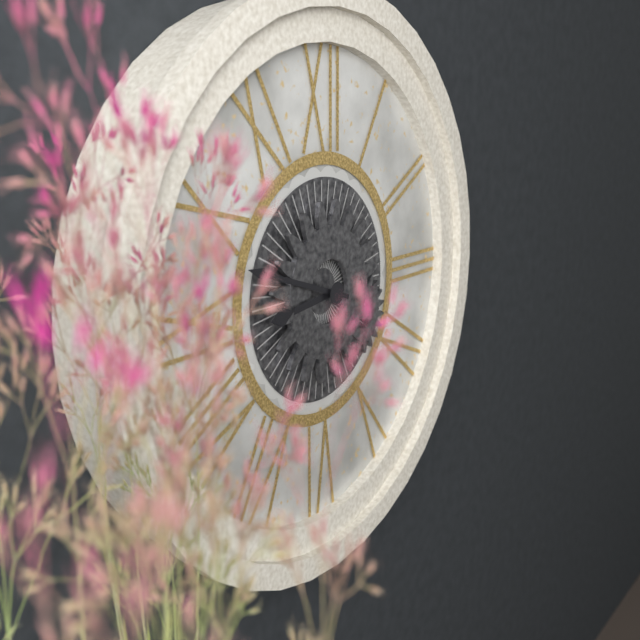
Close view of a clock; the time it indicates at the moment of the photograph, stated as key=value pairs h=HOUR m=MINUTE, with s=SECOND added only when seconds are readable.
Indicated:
h=8 m=48
